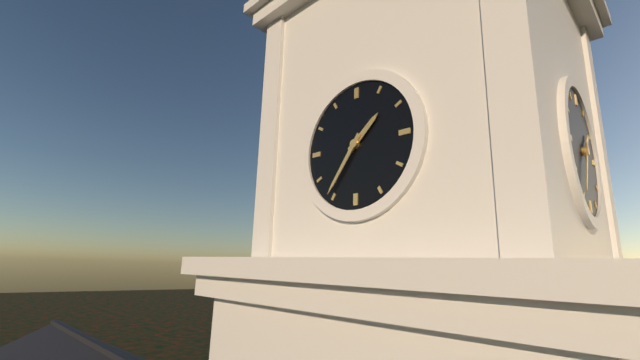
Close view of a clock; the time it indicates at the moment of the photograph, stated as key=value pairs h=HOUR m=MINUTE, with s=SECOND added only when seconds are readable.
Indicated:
h=1 m=36
